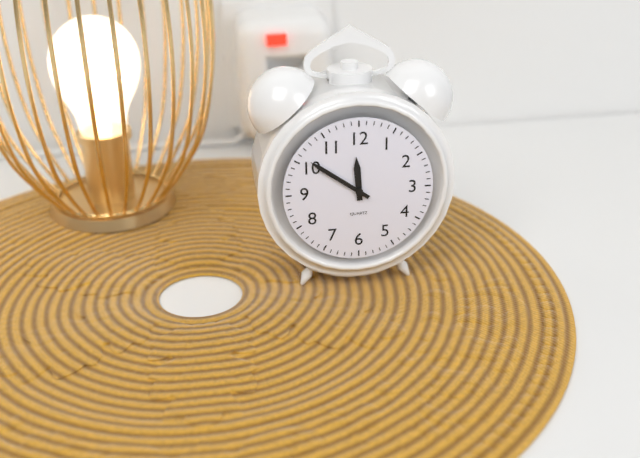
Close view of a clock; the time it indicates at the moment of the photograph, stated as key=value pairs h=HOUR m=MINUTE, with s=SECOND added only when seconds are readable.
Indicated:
h=11 m=51
